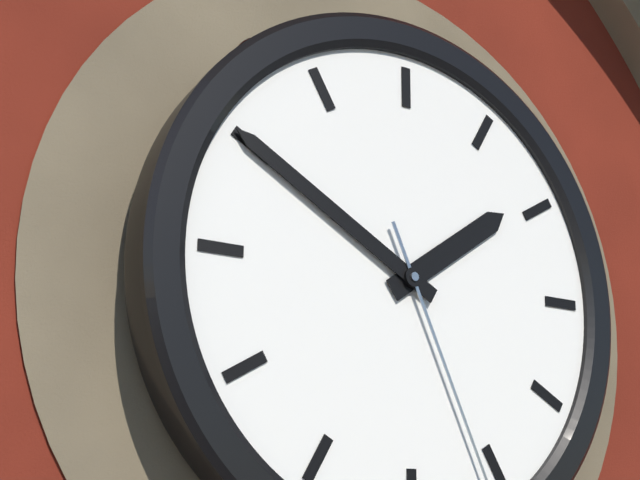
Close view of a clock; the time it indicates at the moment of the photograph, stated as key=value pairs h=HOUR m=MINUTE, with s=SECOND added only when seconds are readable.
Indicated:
h=1 m=50
